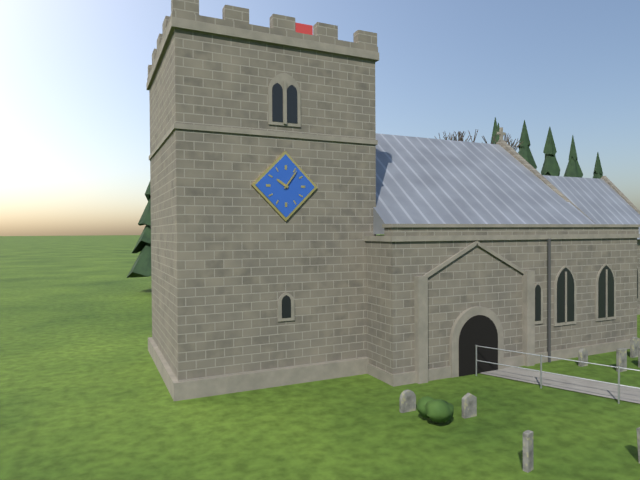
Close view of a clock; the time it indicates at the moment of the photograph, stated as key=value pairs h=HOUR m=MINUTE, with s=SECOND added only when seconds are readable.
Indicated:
h=10 m=6
